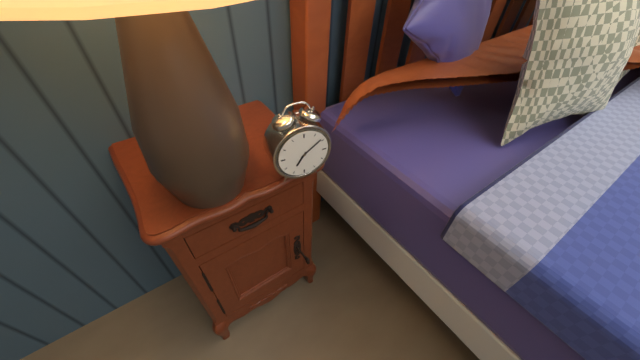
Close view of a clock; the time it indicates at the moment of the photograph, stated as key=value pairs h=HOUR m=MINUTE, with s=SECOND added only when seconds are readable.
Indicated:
h=7 m=9
